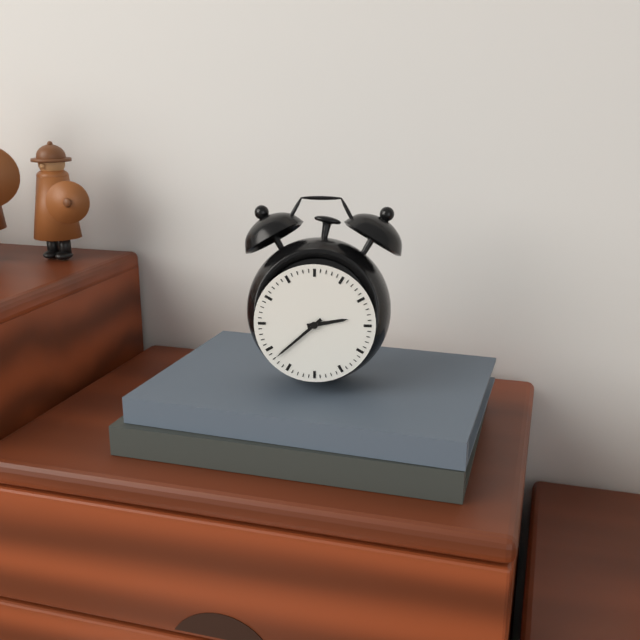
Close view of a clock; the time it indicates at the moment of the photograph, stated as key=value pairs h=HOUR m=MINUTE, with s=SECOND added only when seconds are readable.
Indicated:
h=2 m=38
